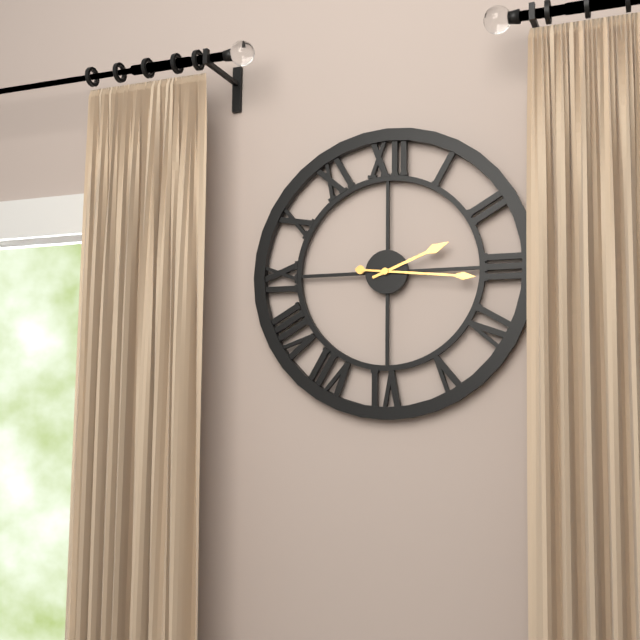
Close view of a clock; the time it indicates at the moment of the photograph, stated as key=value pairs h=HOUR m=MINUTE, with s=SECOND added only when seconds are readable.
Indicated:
h=2 m=16
